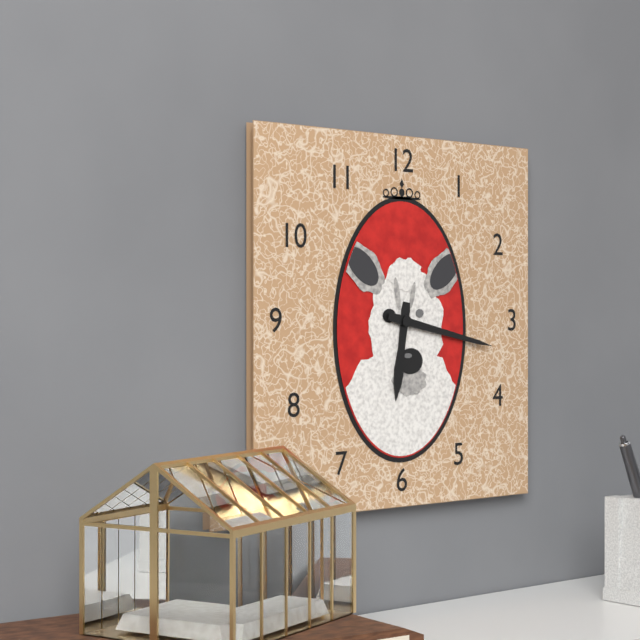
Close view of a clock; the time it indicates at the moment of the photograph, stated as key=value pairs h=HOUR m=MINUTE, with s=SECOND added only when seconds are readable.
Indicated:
h=6 m=17
